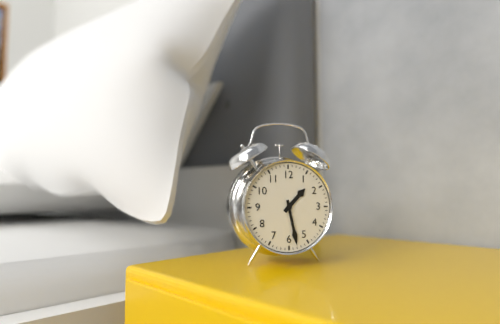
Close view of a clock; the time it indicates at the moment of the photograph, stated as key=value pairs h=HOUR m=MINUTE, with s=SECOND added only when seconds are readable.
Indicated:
h=1 m=28
